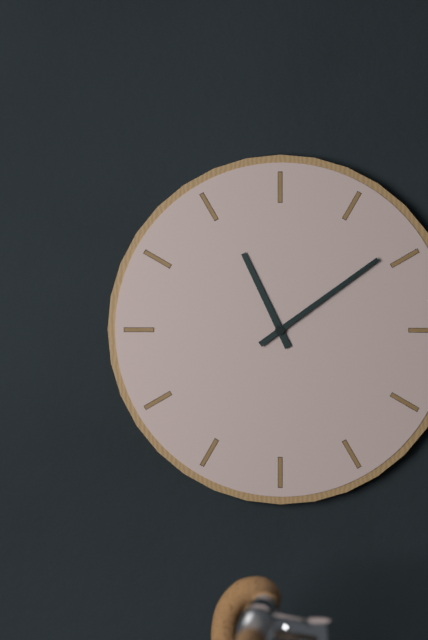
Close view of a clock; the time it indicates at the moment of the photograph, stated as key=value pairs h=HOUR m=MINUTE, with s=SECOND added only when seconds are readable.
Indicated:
h=11 m=9
